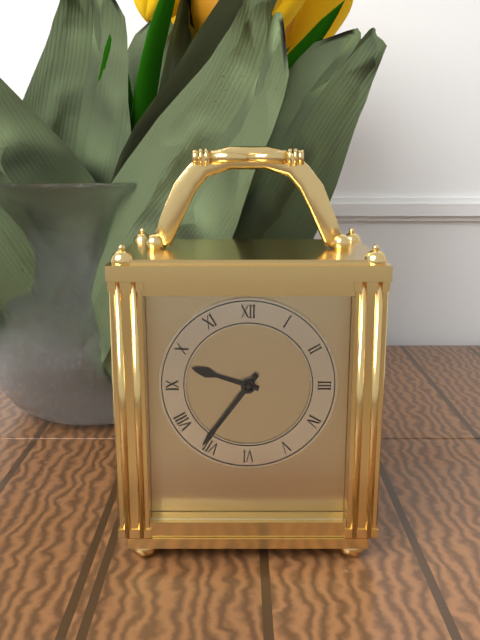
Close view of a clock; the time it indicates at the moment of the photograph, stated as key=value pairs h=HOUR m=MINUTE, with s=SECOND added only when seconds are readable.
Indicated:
h=9 m=36
